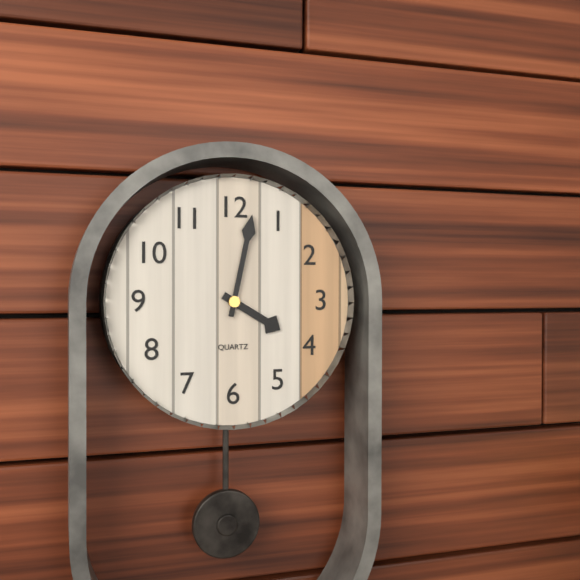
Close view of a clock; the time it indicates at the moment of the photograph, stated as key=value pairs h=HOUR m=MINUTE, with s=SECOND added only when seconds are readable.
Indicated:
h=4 m=2
